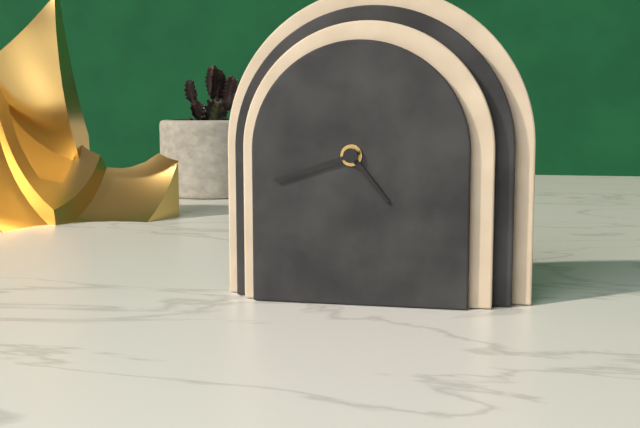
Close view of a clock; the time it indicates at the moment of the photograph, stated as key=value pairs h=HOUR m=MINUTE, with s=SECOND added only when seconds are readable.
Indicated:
h=4 m=42
